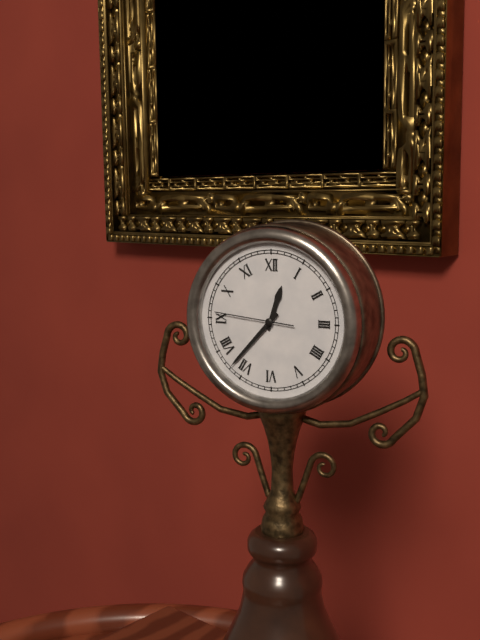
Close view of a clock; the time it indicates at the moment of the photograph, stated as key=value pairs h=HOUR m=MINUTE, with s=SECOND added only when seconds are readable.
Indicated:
h=12 m=37 s=46
